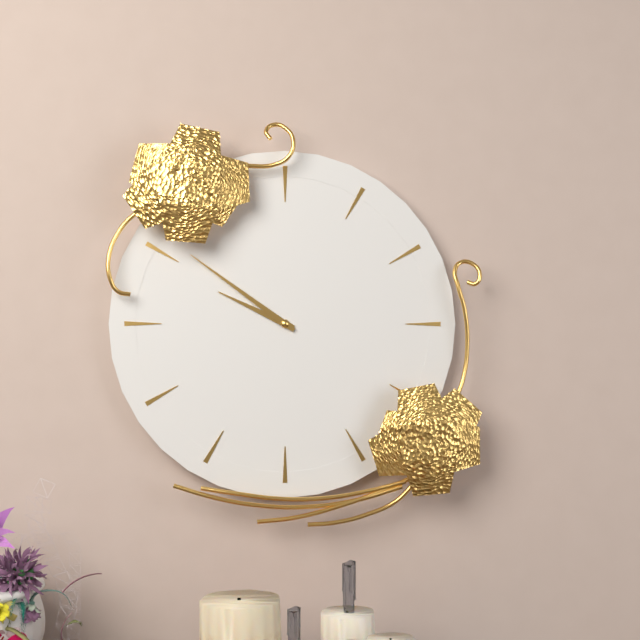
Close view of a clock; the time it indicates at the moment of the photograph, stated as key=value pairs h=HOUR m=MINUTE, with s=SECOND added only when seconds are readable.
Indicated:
h=9 m=51
